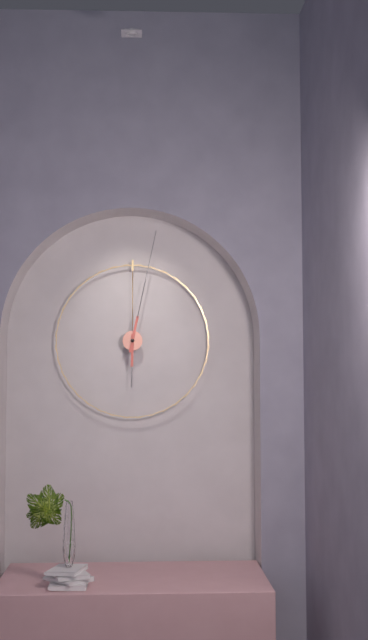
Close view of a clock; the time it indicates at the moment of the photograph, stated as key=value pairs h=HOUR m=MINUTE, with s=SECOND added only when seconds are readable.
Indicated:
h=6 m=2
